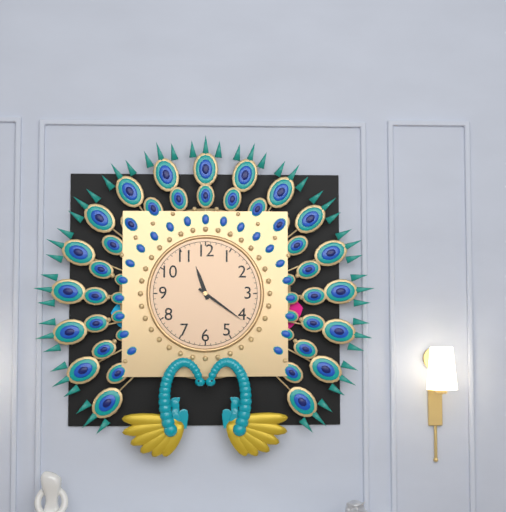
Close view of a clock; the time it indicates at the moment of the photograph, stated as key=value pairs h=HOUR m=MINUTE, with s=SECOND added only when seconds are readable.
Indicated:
h=11 m=21
